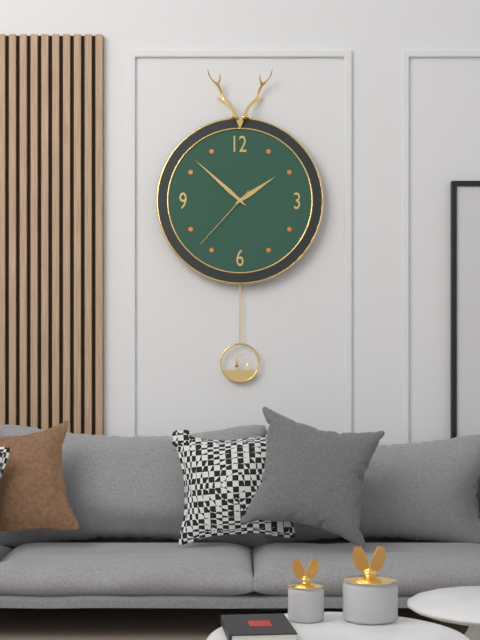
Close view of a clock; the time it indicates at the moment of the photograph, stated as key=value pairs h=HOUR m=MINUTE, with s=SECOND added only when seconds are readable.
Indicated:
h=1 m=52 s=37
